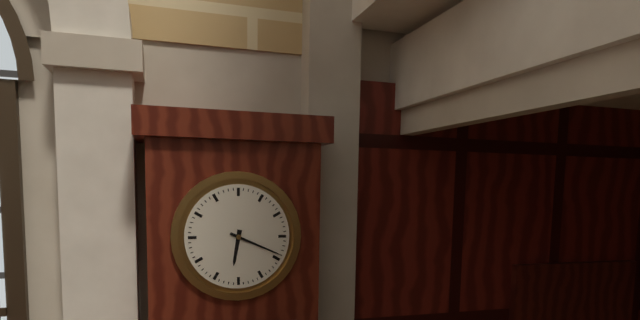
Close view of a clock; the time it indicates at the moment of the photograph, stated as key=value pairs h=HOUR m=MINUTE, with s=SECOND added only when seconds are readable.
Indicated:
h=6 m=19
